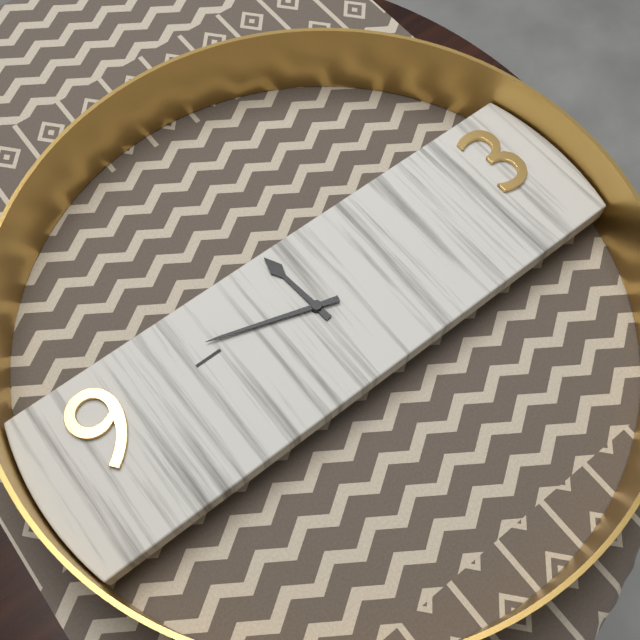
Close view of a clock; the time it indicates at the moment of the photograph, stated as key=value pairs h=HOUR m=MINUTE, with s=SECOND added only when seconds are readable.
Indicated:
h=11 m=48
